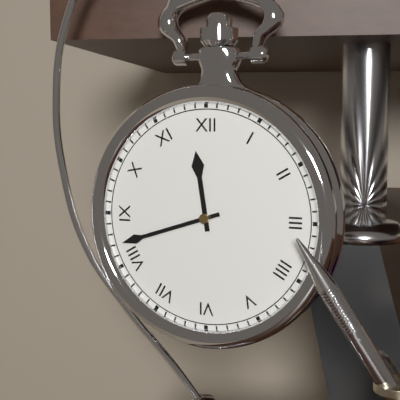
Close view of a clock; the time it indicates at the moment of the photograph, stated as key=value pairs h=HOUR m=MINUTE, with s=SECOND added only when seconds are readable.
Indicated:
h=11 m=42
